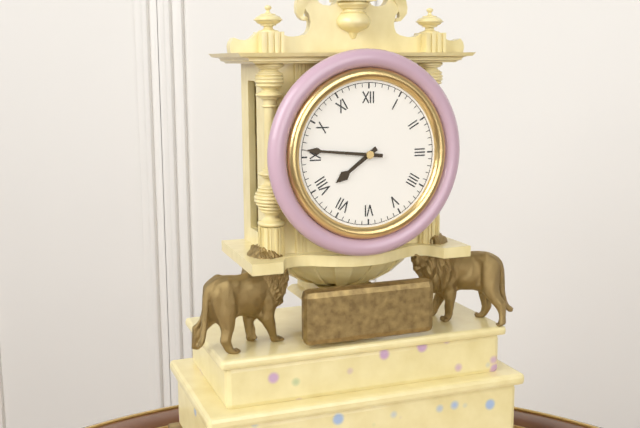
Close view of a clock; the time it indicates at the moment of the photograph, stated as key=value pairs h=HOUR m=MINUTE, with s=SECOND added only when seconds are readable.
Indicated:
h=7 m=46
